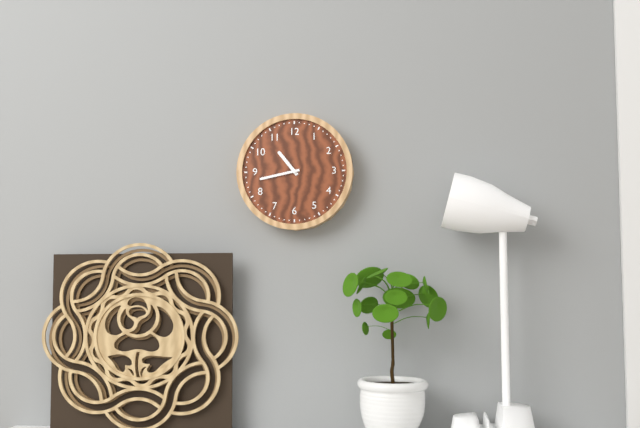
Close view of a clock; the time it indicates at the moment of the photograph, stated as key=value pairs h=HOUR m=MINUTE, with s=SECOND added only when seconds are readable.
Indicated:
h=10 m=43
